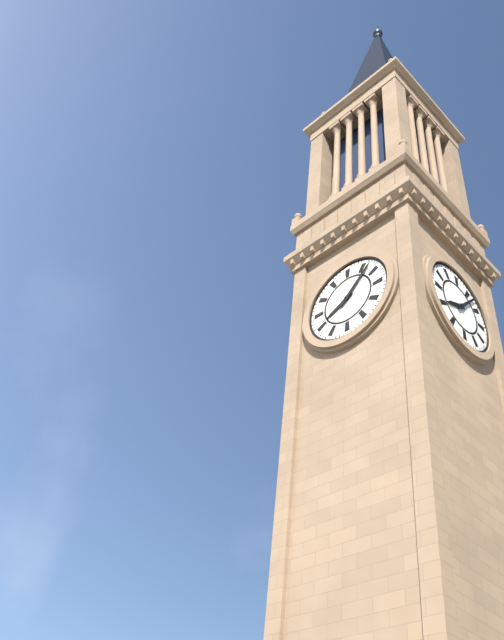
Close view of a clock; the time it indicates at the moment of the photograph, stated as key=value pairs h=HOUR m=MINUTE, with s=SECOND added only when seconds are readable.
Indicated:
h=8 m=7
